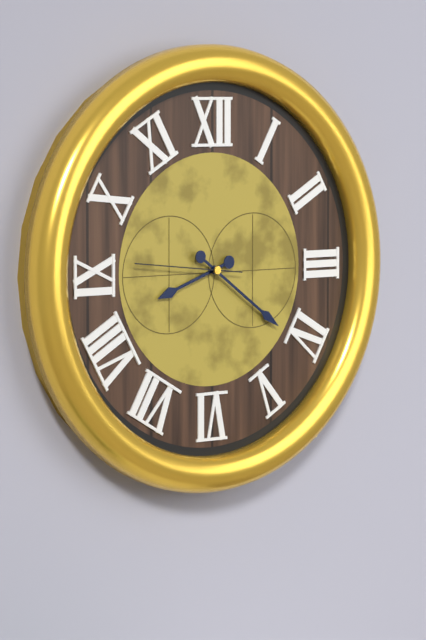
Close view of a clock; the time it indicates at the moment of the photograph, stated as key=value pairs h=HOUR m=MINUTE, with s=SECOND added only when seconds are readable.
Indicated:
h=8 m=21 s=46
